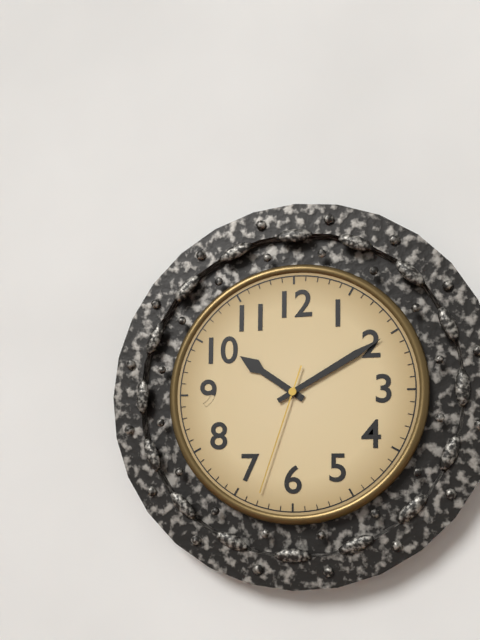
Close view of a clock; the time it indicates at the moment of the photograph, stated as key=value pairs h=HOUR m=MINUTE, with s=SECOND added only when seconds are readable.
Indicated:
h=10 m=10 s=33
